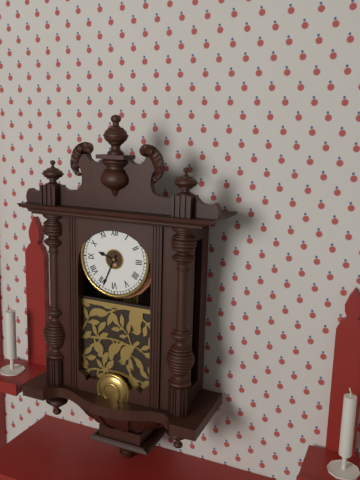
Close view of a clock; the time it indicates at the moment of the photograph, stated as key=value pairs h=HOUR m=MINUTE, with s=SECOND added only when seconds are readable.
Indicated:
h=9 m=34
